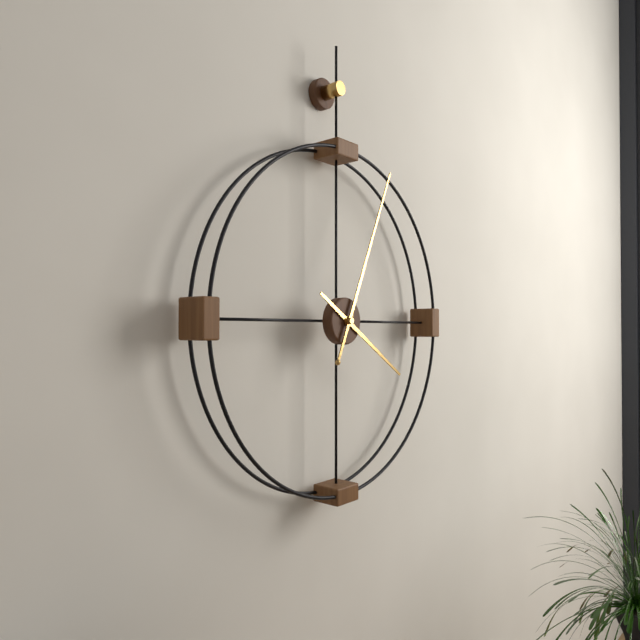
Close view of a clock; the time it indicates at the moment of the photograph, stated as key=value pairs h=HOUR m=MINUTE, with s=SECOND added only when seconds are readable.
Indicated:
h=4 m=4
